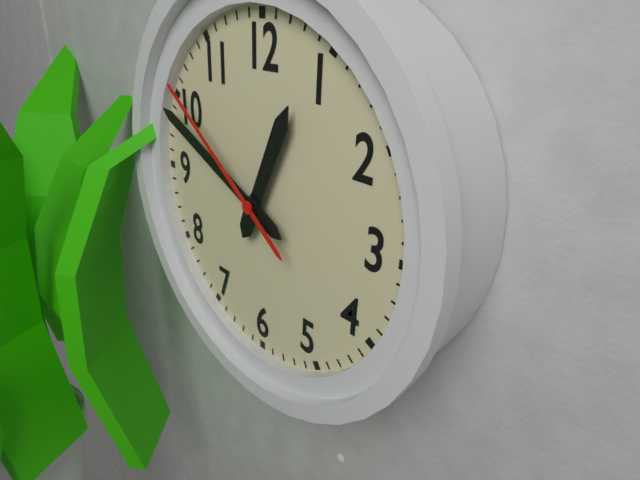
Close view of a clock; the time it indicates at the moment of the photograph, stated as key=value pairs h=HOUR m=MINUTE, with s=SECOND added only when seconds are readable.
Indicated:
h=12 m=49 s=51
